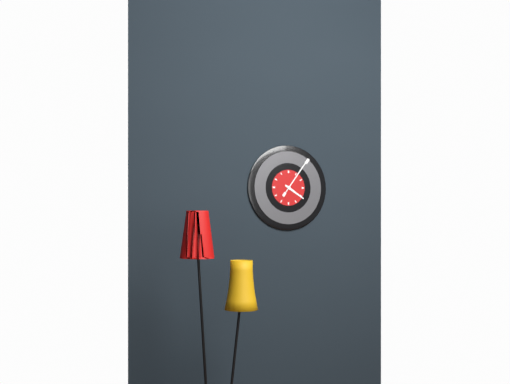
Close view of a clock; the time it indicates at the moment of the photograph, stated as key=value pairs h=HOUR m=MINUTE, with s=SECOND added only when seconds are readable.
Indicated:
h=4 m=6
